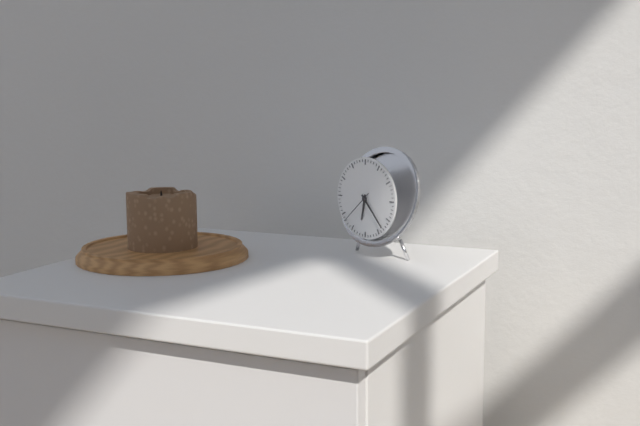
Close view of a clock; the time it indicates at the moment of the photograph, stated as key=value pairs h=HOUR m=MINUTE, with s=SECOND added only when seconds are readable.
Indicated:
h=6 m=23
